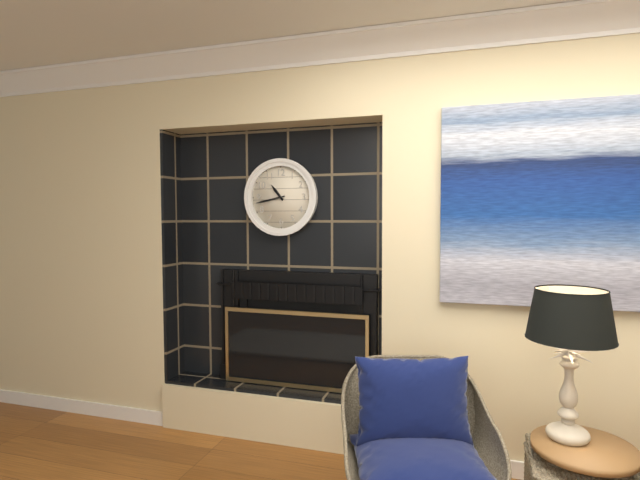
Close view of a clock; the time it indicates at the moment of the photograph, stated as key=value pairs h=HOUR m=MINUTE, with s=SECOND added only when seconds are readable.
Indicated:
h=10 m=43
